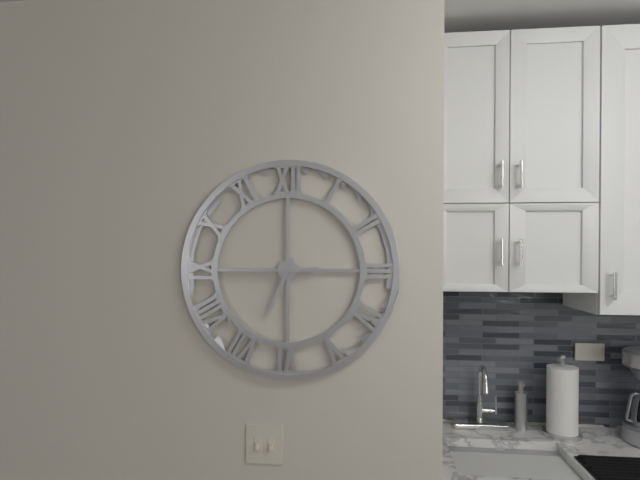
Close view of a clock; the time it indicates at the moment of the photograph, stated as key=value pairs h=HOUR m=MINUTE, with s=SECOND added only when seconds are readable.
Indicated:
h=6 m=45
